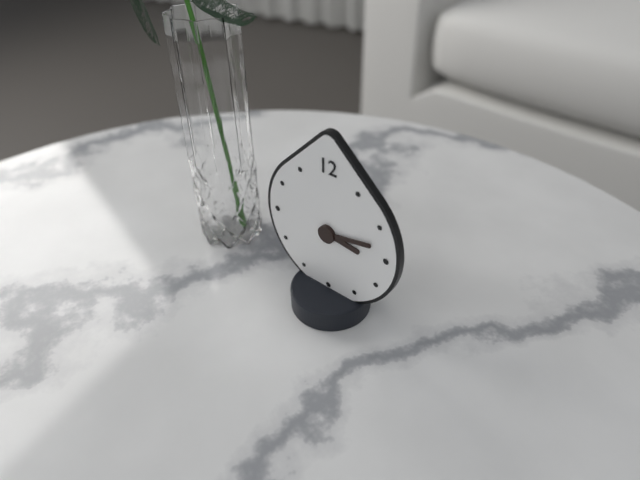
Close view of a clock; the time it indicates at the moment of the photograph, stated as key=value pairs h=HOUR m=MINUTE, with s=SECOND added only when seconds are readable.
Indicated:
h=3 m=13
